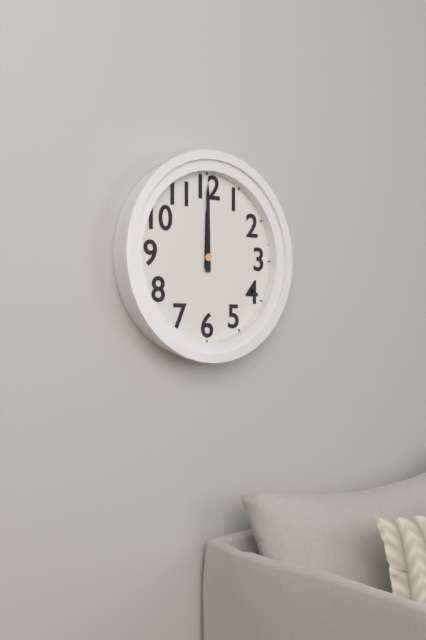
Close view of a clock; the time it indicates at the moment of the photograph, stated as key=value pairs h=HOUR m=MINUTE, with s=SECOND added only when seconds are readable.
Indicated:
h=12 m=0
